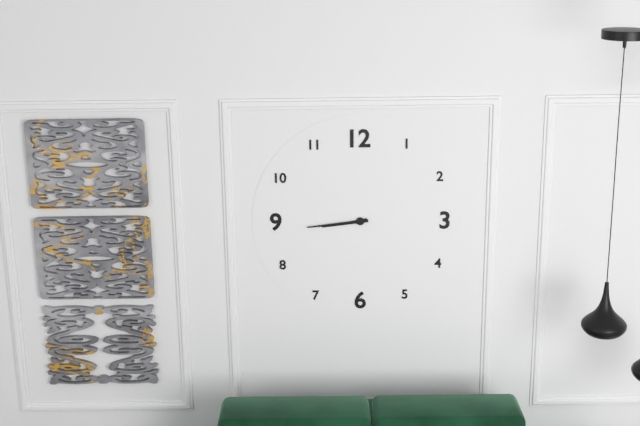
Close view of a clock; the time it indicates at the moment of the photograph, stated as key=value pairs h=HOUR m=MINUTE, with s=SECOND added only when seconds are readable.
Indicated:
h=8 m=44
